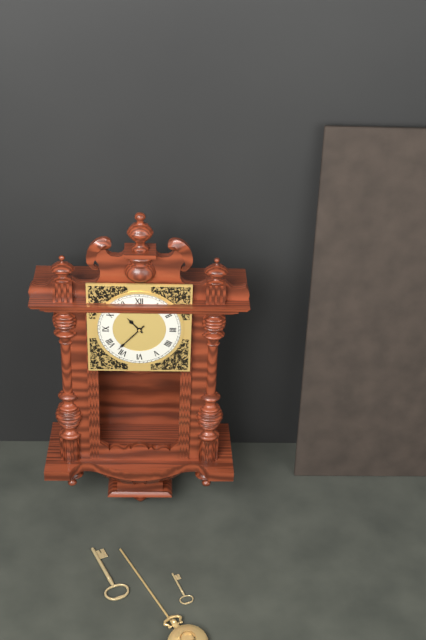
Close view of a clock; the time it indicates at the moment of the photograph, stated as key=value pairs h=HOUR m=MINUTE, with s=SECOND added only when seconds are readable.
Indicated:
h=10 m=37
